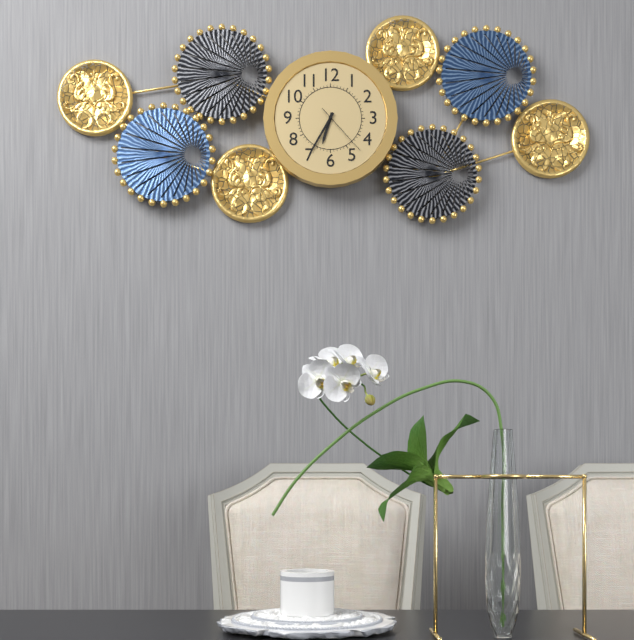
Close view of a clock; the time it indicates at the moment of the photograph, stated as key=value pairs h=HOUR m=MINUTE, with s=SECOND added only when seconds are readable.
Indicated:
h=6 m=35 s=23
